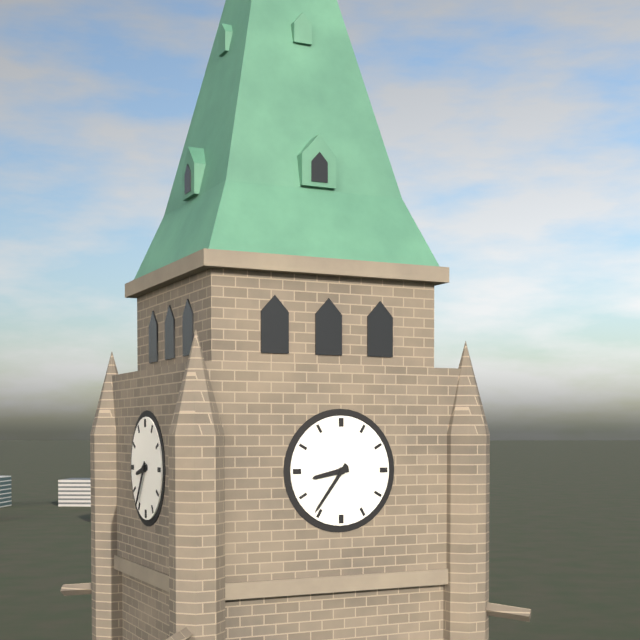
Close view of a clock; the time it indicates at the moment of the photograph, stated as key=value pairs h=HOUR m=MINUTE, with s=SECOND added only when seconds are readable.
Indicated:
h=8 m=36
